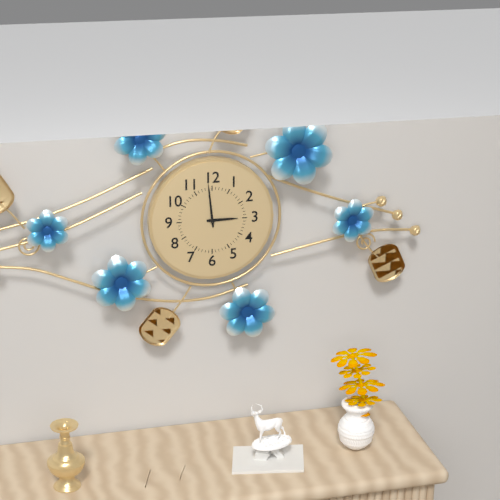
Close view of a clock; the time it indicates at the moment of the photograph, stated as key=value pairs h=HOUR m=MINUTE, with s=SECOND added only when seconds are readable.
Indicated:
h=2 m=59
